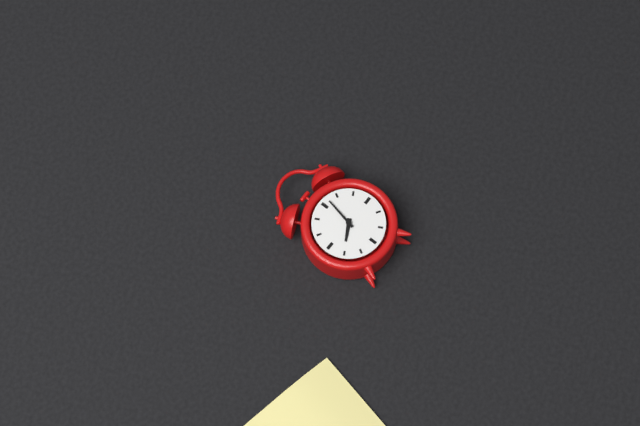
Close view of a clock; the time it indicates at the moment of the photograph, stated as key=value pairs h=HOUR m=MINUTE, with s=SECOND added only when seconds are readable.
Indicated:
h=8 m=2
